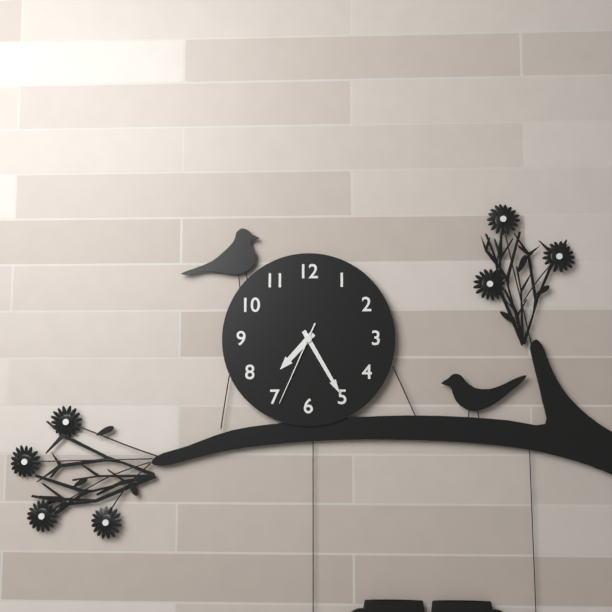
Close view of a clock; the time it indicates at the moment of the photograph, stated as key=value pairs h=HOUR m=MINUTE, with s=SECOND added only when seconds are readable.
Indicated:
h=7 m=25 s=34
